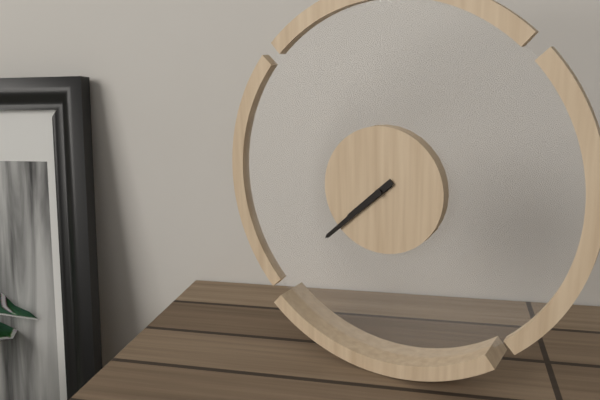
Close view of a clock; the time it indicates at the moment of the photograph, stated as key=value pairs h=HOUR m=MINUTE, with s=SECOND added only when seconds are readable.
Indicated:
h=7 m=38
